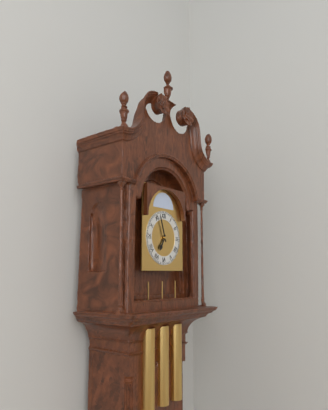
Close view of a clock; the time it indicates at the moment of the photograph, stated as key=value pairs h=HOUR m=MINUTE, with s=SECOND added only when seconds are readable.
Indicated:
h=6 m=57
